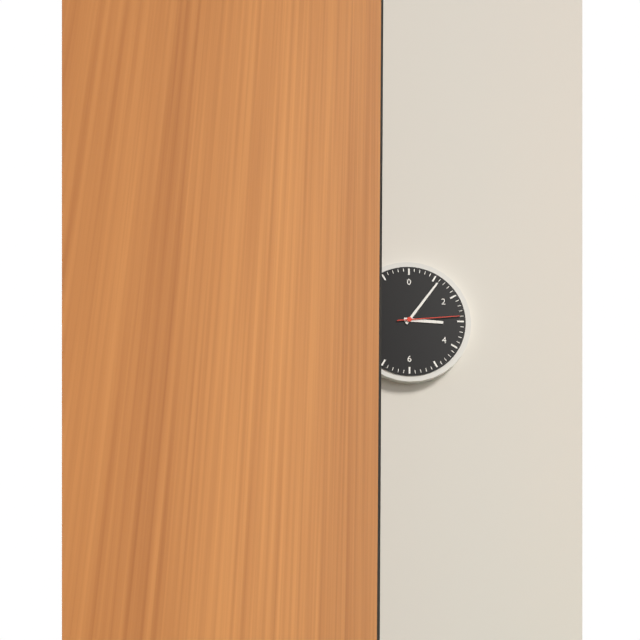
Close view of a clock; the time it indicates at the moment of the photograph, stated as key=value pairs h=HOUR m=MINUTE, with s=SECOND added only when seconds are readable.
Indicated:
h=3 m=6 s=14
